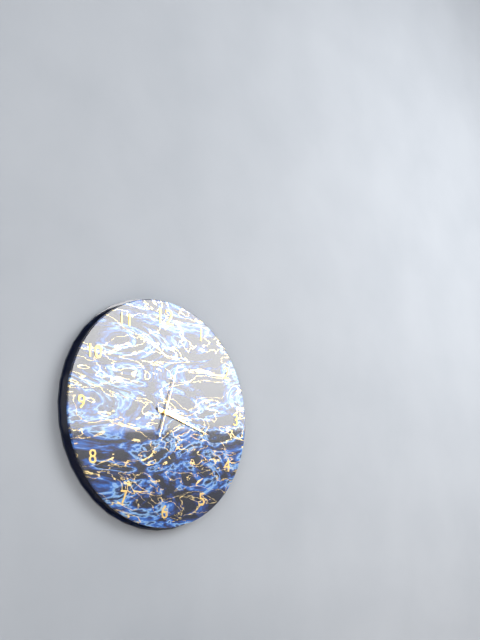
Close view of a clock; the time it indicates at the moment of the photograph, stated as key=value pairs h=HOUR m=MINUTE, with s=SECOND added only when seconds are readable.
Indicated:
h=3 m=18 s=3
